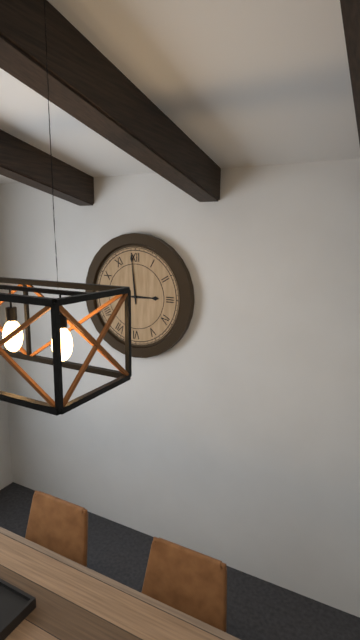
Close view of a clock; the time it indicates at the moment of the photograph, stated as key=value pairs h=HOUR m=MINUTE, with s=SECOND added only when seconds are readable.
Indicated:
h=2 m=59
